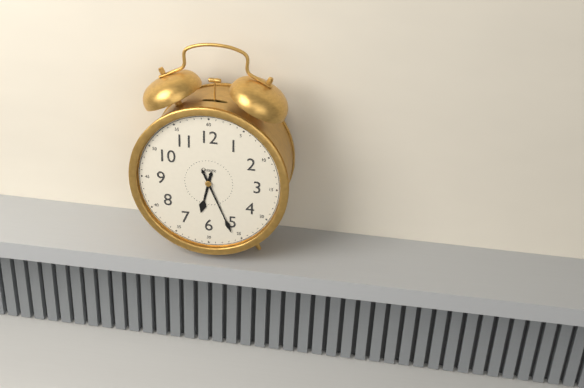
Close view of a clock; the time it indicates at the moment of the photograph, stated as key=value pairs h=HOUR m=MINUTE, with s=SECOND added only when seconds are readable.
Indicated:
h=6 m=26
